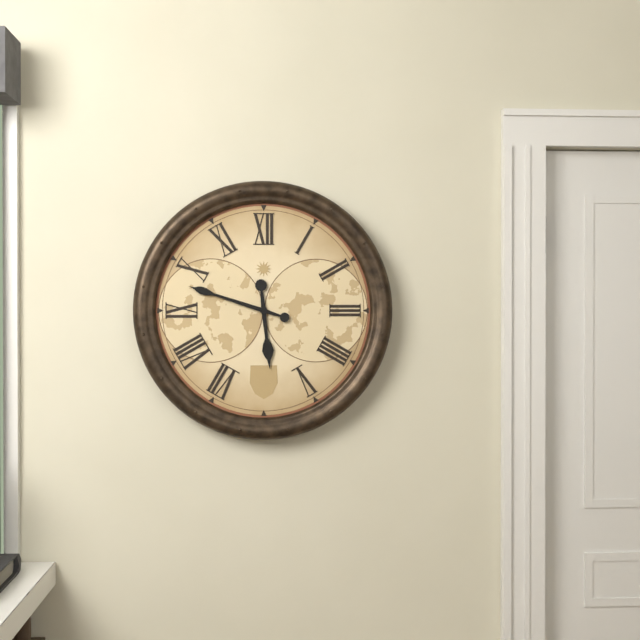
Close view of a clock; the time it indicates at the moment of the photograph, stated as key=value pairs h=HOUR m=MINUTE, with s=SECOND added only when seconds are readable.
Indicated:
h=5 m=48
